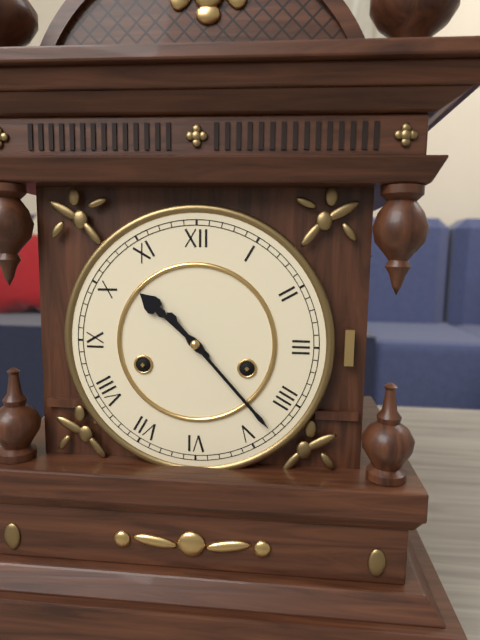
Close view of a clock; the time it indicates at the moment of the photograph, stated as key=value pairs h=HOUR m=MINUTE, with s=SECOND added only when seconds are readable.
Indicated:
h=10 m=23
